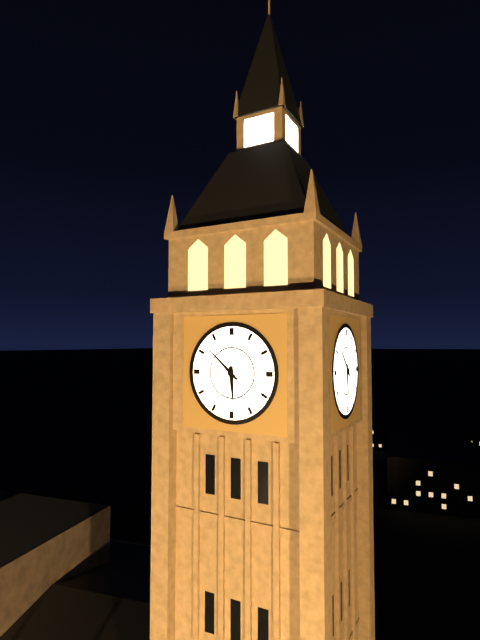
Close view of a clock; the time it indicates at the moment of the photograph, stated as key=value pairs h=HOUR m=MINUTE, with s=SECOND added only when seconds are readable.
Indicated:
h=5 m=52
